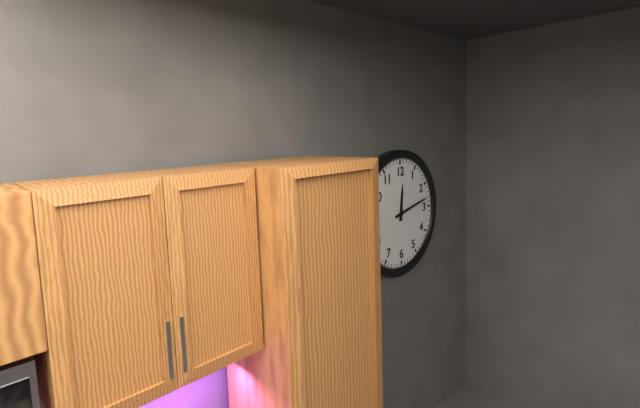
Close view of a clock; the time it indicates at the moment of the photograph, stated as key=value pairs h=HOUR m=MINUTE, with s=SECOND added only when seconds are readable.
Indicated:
h=12 m=13
